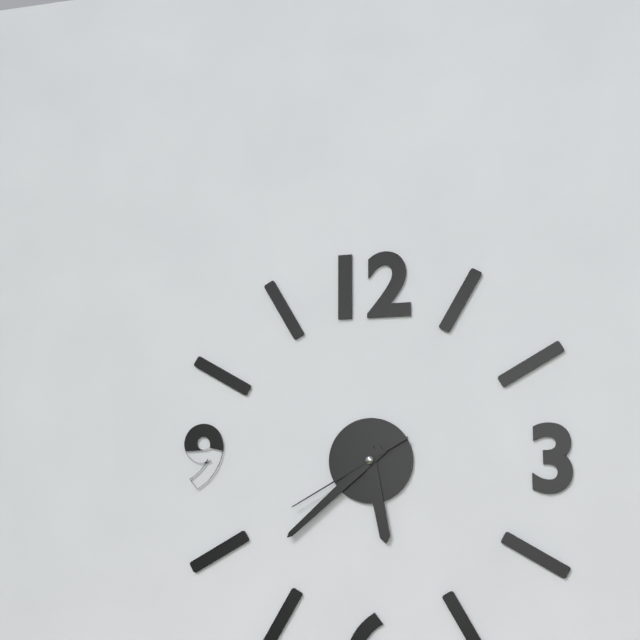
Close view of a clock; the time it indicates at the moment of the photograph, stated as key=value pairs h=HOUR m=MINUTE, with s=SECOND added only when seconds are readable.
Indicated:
h=5 m=38 s=40
